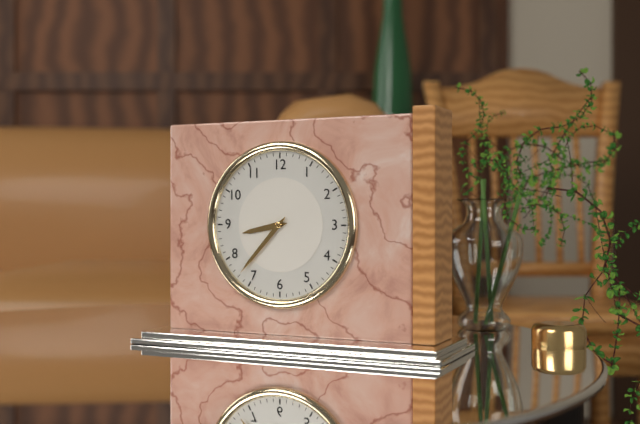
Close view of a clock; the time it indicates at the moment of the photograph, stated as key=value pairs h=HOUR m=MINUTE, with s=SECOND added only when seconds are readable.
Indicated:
h=8 m=37
